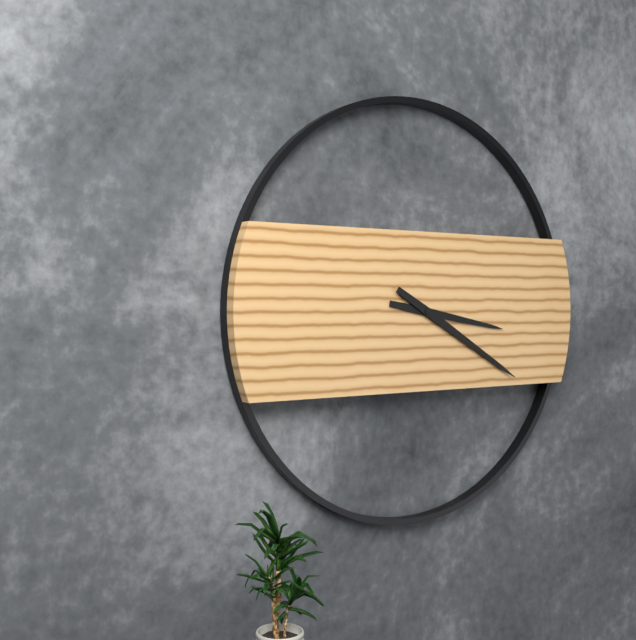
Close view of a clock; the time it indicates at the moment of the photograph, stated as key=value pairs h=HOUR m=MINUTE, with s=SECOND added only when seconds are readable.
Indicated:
h=3 m=20
